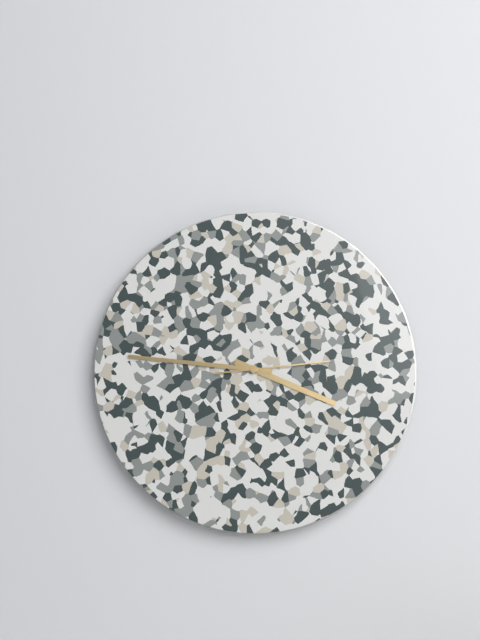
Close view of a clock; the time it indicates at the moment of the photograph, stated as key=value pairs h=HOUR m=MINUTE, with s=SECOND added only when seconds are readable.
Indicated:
h=3 m=46 s=14
